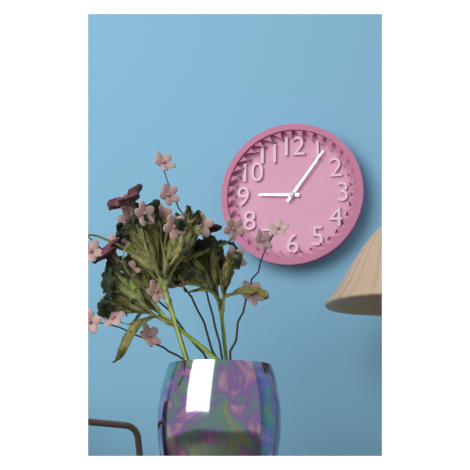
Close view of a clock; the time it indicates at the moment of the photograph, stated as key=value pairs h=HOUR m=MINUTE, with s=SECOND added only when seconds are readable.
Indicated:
h=9 m=6
